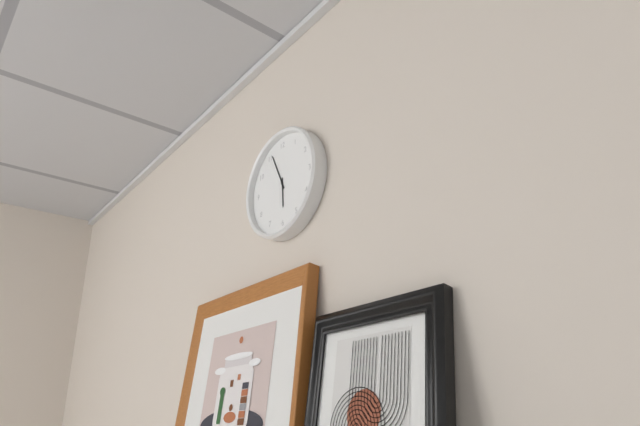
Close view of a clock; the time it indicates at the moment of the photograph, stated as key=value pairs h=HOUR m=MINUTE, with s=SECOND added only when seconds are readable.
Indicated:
h=5 m=56
